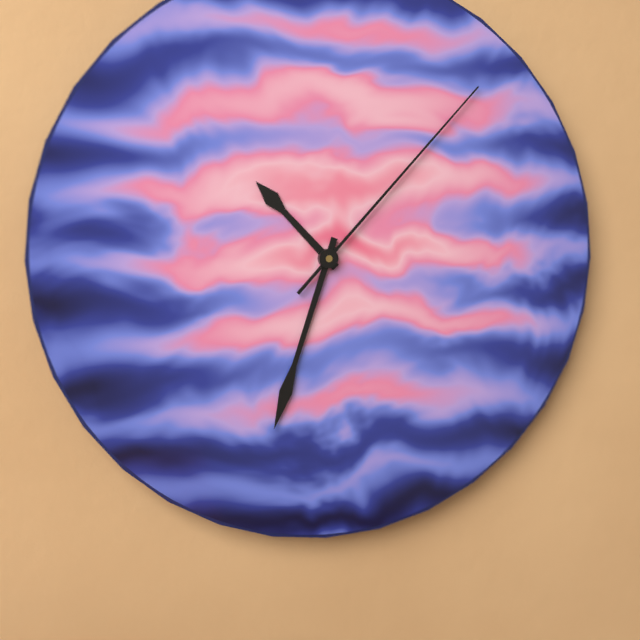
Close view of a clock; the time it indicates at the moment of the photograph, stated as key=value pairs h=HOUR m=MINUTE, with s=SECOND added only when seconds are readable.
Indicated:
h=10 m=33 s=7
